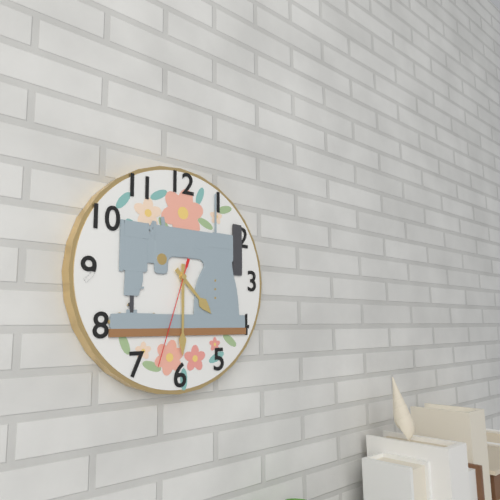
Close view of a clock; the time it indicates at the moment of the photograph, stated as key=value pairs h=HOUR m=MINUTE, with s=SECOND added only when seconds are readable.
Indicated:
h=4 m=30 s=33
